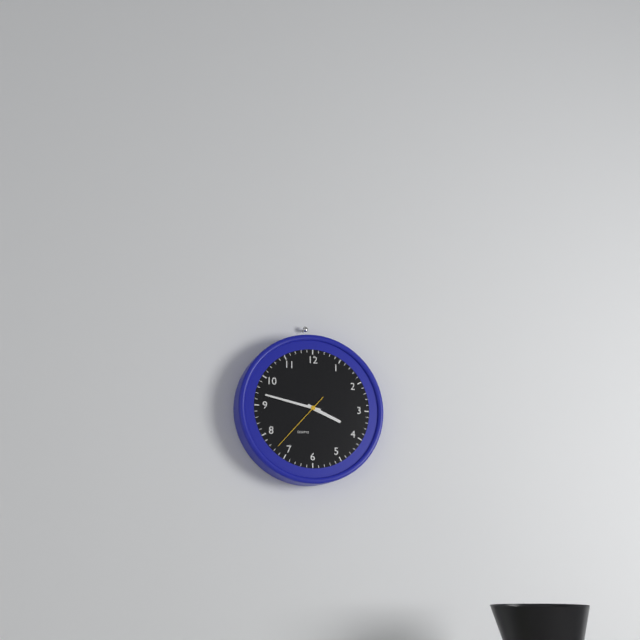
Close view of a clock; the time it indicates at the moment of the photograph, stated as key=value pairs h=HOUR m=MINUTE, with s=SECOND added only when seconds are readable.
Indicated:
h=3 m=47 s=37
